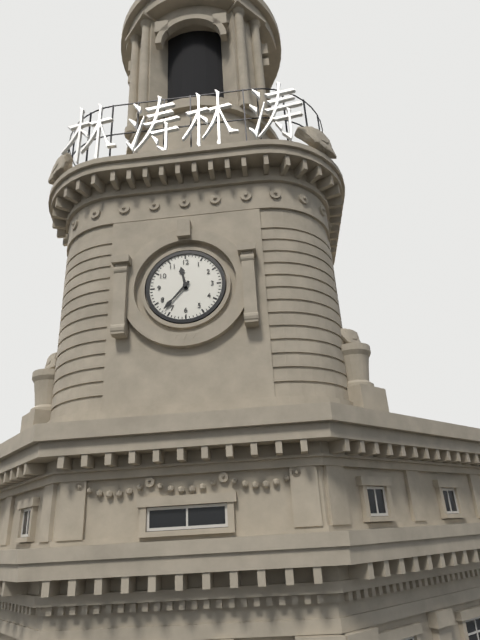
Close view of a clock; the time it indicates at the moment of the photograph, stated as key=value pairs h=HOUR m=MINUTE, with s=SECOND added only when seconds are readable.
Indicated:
h=11 m=37
